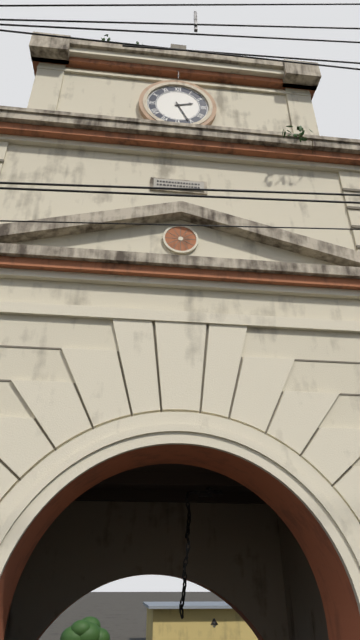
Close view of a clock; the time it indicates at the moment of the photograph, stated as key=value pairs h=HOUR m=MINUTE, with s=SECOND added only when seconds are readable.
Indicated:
h=2 m=26
